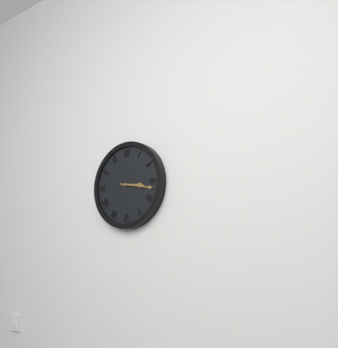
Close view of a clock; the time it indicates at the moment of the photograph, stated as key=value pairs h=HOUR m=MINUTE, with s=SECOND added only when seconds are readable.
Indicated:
h=3 m=17
